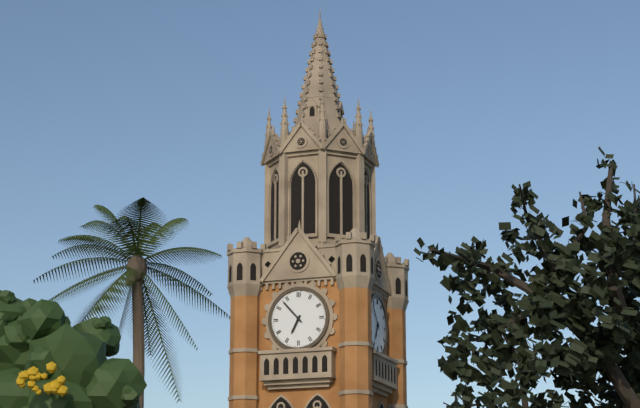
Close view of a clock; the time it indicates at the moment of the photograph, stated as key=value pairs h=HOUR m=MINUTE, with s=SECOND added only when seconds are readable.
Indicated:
h=6 m=53
